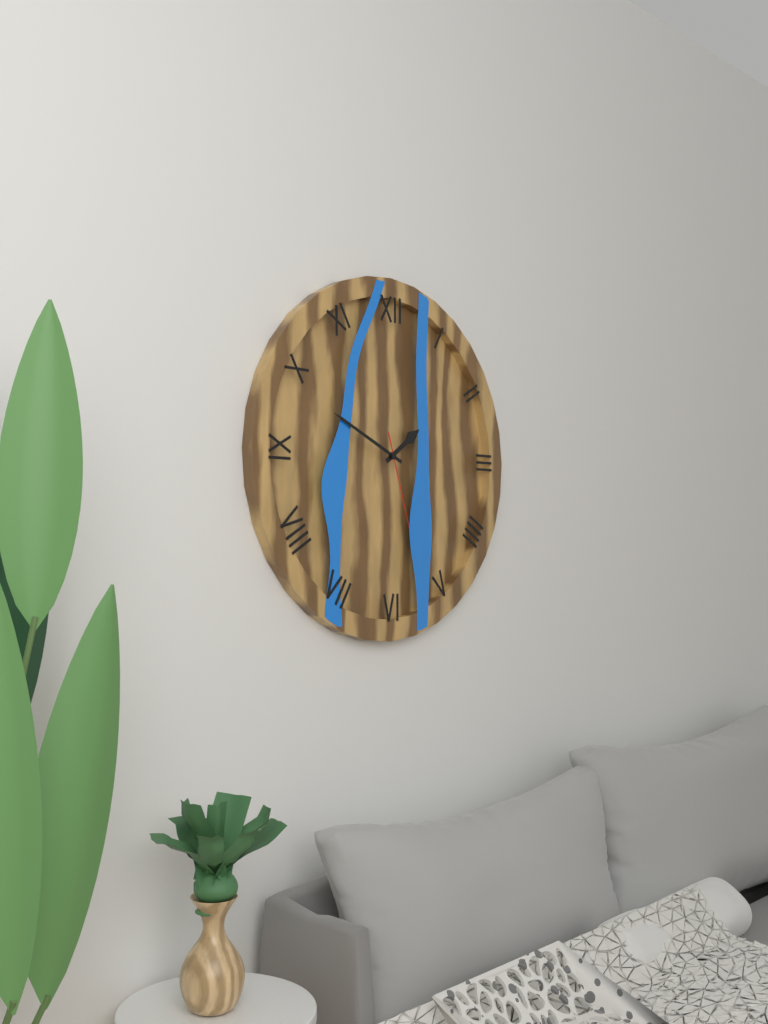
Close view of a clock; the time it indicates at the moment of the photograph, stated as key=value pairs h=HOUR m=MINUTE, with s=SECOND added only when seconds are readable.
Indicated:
h=1 m=49 s=27
